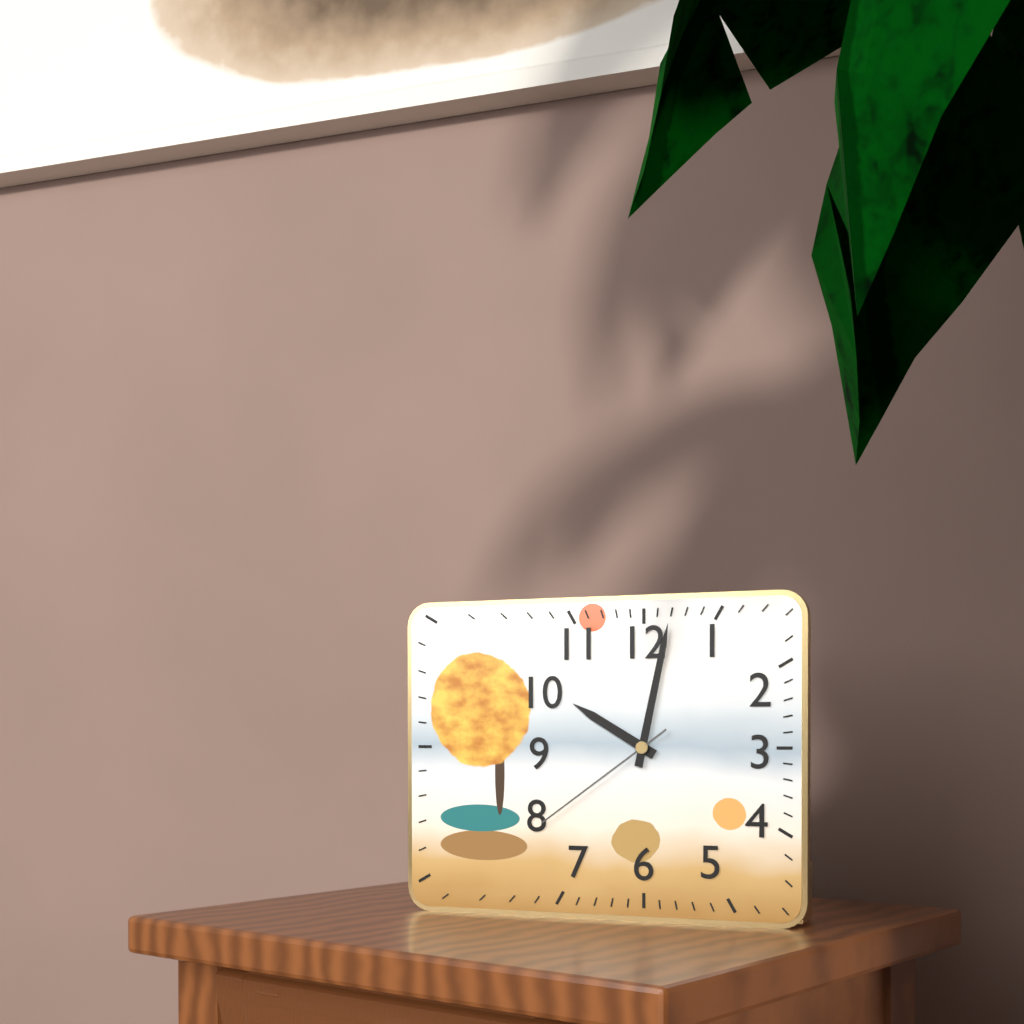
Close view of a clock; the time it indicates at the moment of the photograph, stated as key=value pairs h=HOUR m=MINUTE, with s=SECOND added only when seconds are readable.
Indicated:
h=10 m=2 s=39
